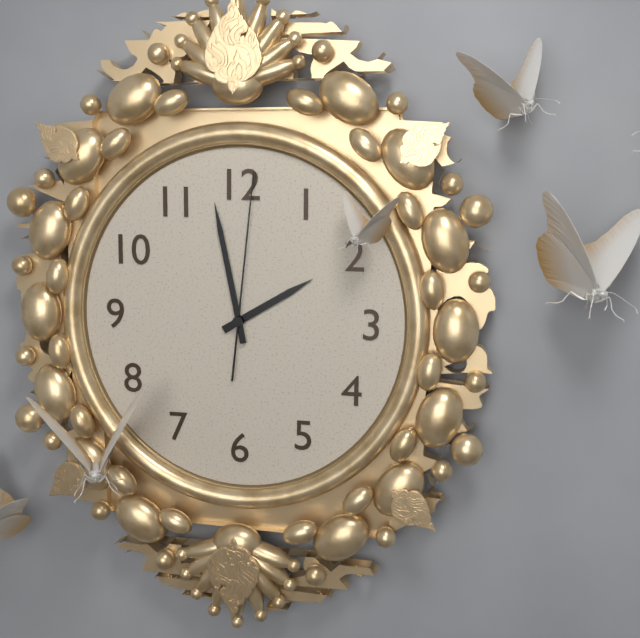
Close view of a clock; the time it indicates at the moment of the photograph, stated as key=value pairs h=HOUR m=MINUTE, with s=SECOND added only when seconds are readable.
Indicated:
h=1 m=58 s=1
